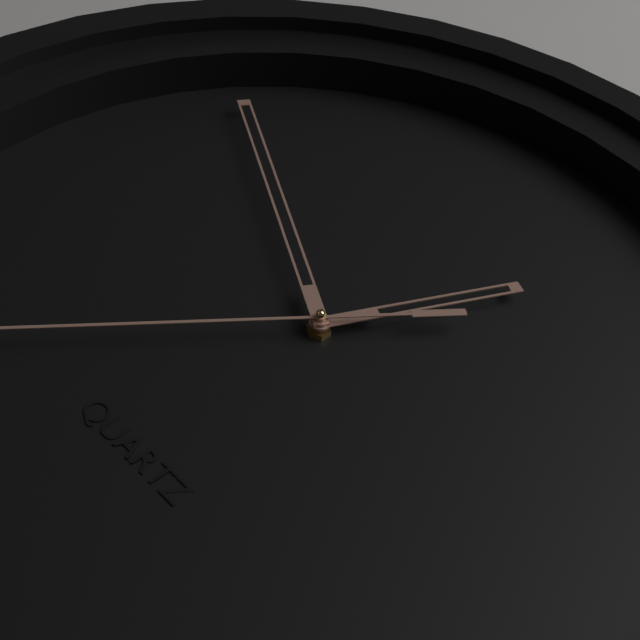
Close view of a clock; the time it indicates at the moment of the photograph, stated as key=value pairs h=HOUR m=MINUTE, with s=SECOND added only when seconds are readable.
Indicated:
h=12 m=50
